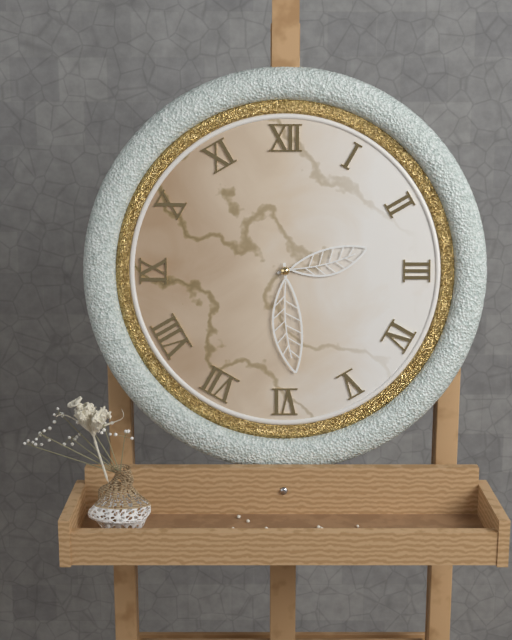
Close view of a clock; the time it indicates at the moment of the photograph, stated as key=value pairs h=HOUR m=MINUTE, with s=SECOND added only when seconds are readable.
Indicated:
h=2 m=29
